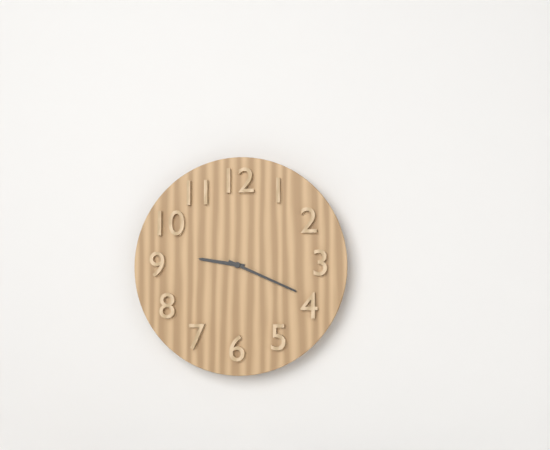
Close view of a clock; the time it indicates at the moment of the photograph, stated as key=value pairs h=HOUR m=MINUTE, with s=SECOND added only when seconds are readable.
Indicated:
h=9 m=19
